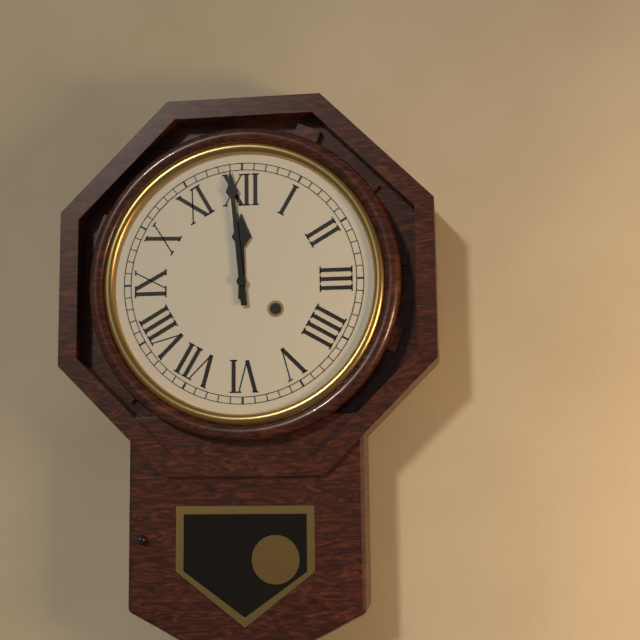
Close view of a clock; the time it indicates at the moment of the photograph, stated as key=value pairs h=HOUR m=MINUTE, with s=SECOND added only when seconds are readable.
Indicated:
h=11 m=59
